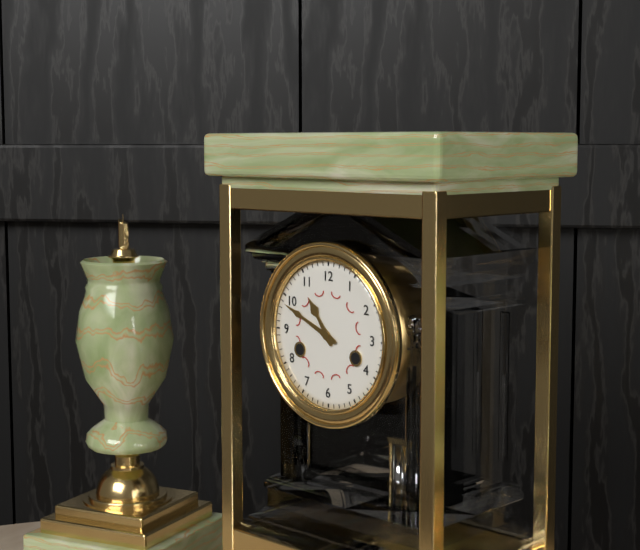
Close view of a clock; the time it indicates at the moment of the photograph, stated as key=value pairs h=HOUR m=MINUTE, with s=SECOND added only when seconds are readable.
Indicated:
h=10 m=49
